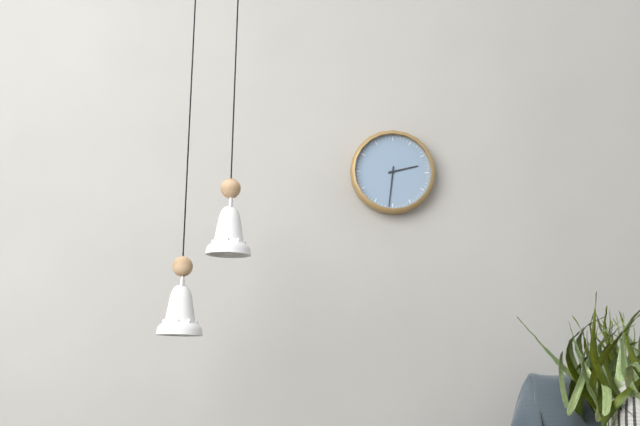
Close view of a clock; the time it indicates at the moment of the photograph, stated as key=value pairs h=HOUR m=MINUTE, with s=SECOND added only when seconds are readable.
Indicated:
h=2 m=31
